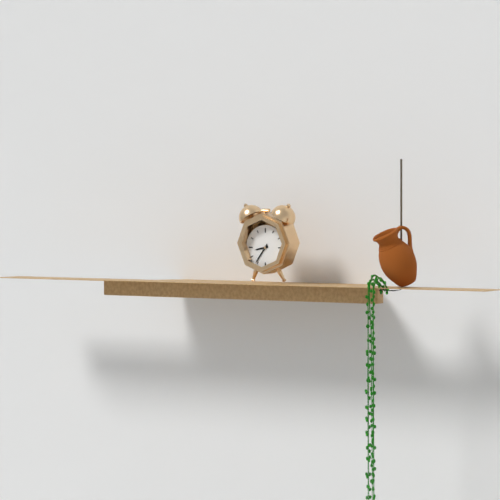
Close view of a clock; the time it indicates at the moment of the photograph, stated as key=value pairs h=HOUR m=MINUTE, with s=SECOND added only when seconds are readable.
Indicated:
h=8 m=36
